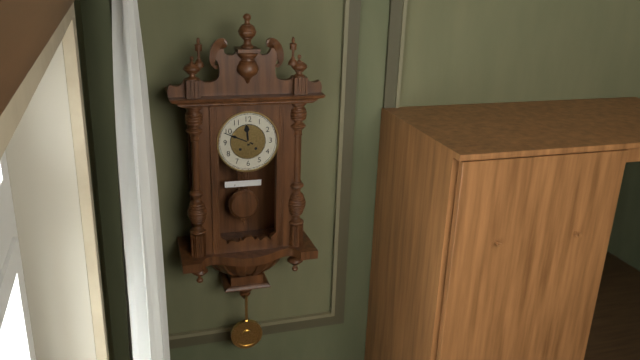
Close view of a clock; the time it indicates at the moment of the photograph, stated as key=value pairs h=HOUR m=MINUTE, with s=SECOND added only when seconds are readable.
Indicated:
h=11 m=49
